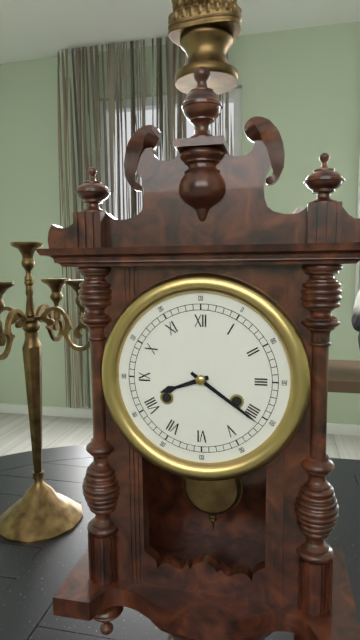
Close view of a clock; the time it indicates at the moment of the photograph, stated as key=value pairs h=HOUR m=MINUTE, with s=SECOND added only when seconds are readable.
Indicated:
h=8 m=21
